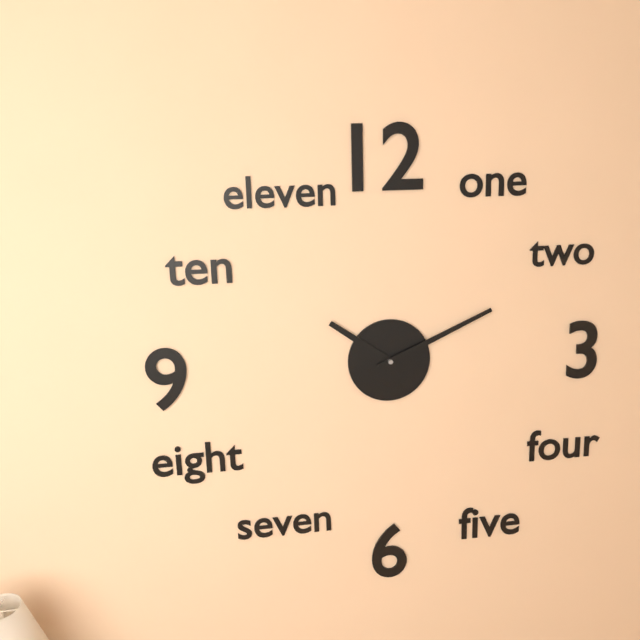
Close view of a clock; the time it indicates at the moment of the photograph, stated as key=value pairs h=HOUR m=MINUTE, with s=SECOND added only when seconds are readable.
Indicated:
h=10 m=11
